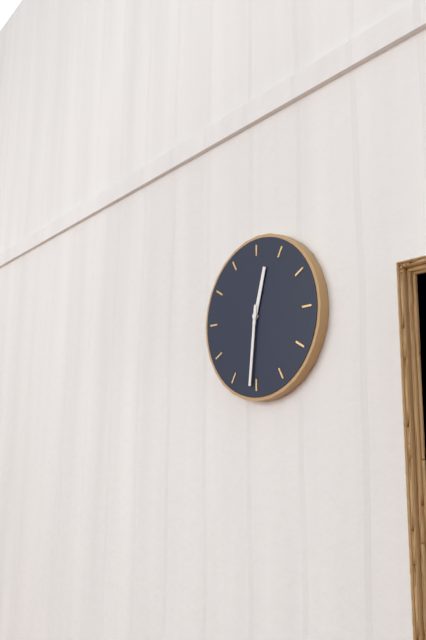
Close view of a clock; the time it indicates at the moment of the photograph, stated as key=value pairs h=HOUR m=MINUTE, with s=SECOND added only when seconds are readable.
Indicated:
h=12 m=31
